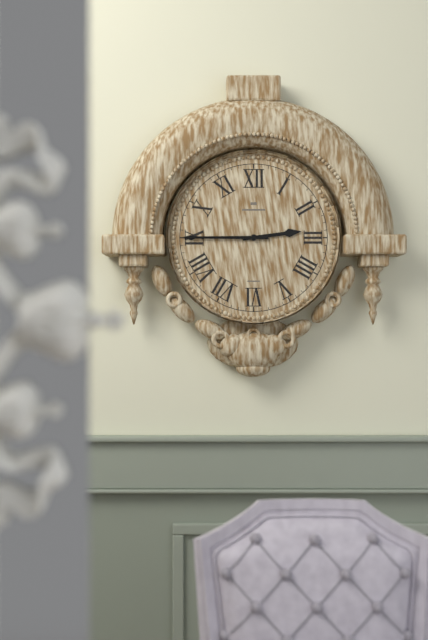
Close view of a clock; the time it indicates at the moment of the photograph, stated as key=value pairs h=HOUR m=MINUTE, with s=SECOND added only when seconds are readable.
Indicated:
h=2 m=45
